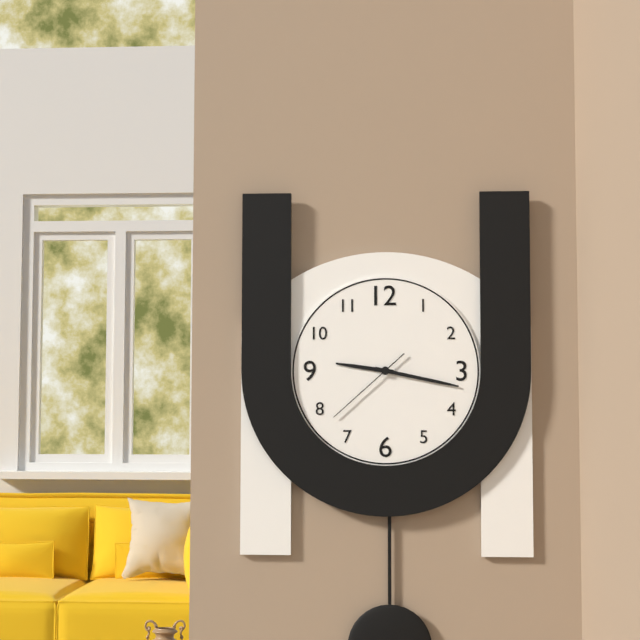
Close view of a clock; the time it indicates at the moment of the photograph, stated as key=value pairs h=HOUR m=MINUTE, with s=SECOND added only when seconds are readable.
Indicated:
h=9 m=17 s=38
